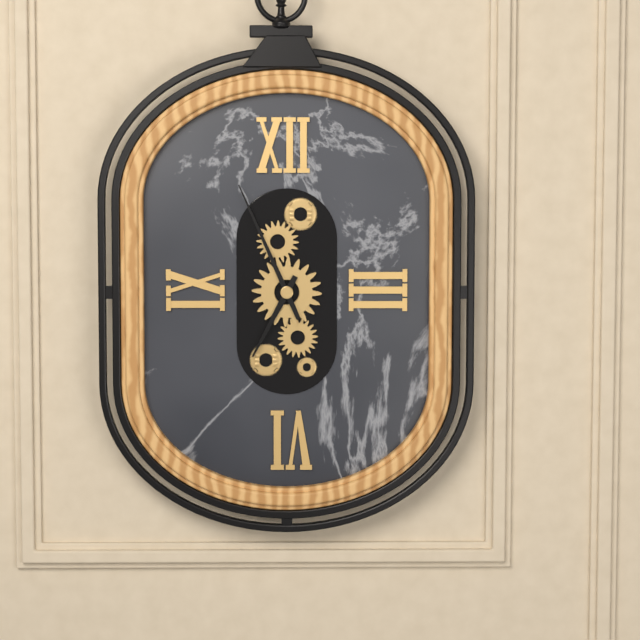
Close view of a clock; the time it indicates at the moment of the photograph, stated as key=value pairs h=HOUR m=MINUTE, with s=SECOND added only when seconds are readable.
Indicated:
h=6 m=56
